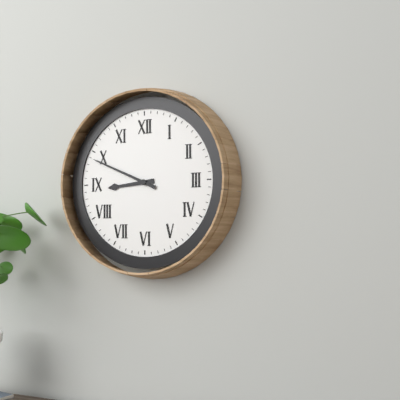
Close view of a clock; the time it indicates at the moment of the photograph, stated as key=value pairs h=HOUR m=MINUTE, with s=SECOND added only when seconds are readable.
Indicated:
h=8 m=49
